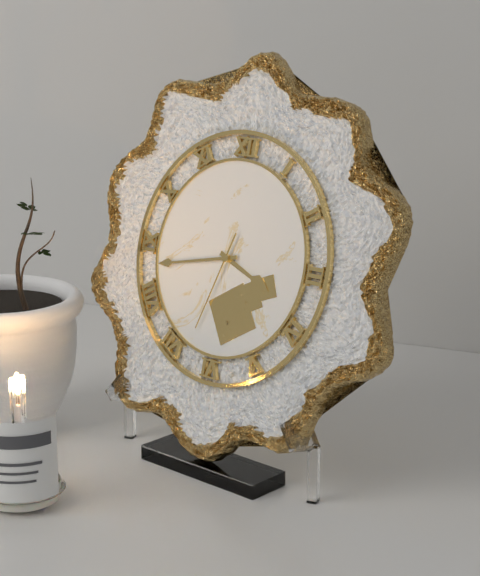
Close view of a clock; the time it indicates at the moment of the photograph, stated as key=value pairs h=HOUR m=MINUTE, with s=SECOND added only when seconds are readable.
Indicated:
h=3 m=43 s=33
